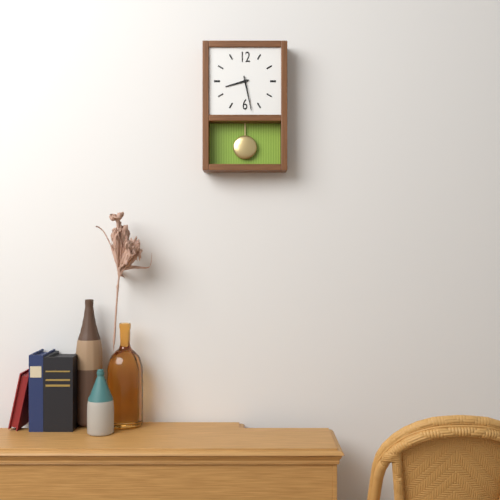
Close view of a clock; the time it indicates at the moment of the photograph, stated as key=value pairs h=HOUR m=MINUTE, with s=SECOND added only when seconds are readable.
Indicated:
h=8 m=28
